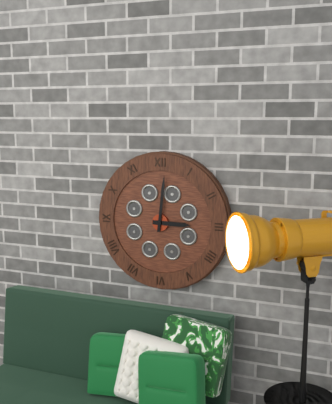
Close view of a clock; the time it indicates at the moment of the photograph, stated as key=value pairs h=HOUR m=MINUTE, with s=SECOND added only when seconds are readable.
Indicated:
h=3 m=1
